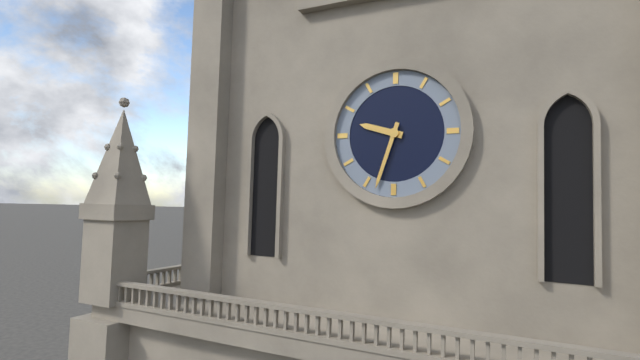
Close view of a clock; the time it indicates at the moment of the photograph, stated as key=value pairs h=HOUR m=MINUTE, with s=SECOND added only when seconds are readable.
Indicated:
h=9 m=33
